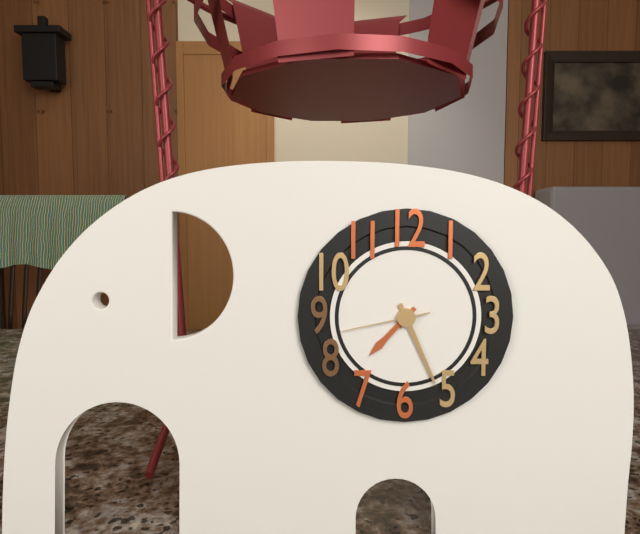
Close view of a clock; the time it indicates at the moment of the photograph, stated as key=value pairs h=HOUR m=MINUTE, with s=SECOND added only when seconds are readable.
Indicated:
h=7 m=26 s=43
